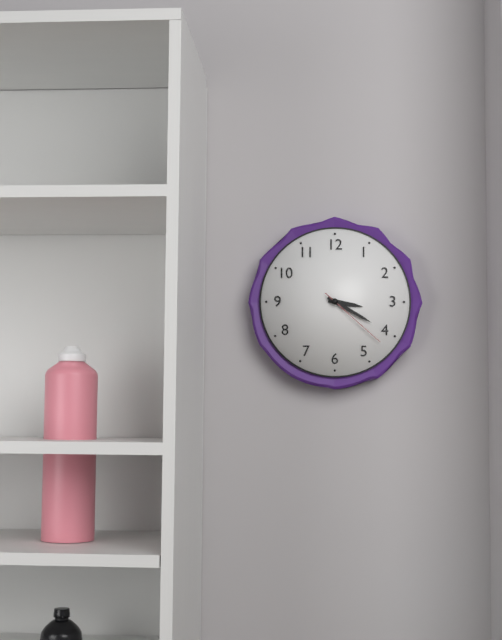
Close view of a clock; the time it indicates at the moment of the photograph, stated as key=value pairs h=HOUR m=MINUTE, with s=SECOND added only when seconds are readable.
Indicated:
h=3 m=20 s=22
